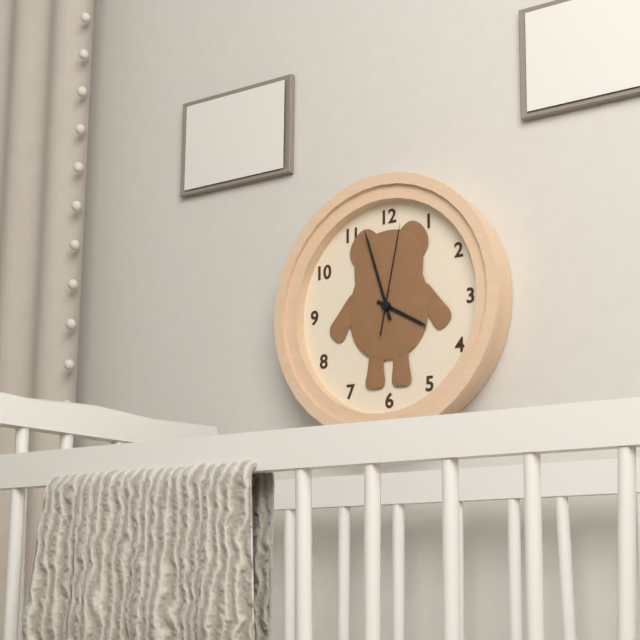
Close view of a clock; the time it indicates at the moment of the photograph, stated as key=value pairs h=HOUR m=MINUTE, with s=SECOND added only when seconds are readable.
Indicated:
h=3 m=57 s=2
